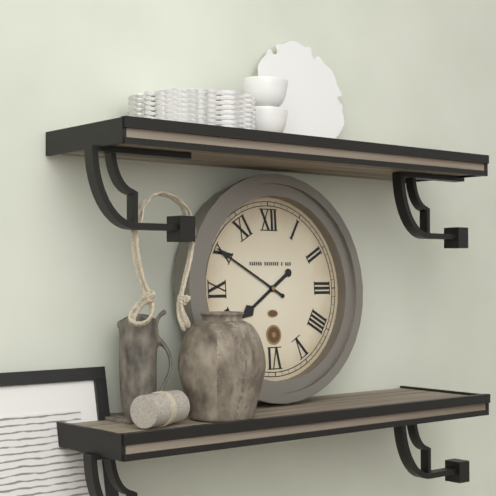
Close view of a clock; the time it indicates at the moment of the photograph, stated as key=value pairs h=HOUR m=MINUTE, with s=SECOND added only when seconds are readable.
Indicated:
h=7 m=50
